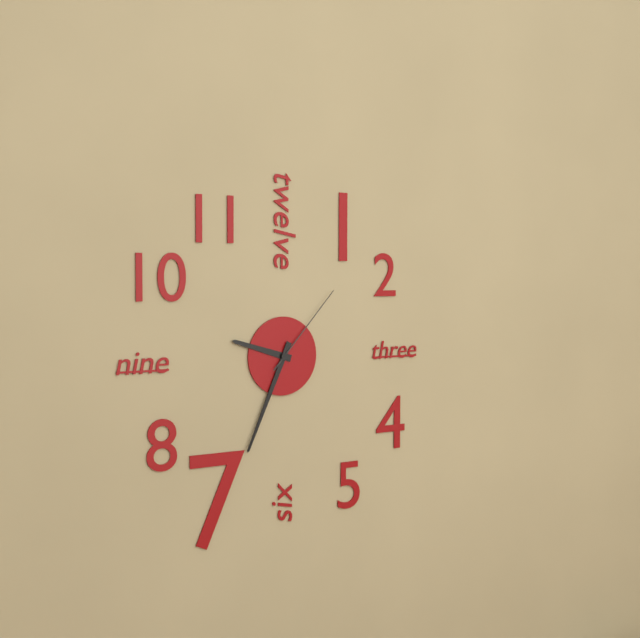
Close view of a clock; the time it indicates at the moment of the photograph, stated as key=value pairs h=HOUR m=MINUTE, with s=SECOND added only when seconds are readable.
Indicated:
h=9 m=34 s=7
